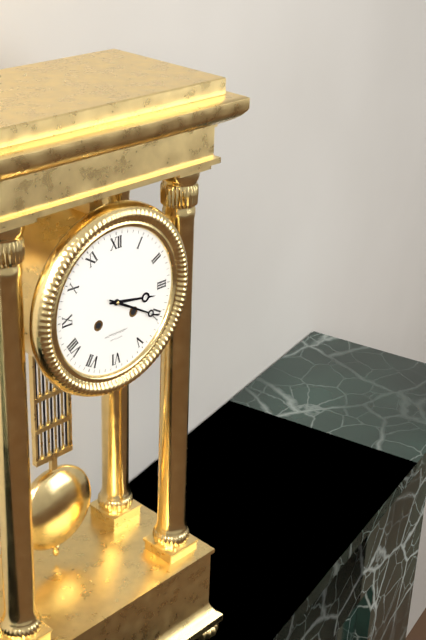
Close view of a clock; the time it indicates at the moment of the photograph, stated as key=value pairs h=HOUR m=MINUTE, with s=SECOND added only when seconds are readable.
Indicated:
h=3 m=20
